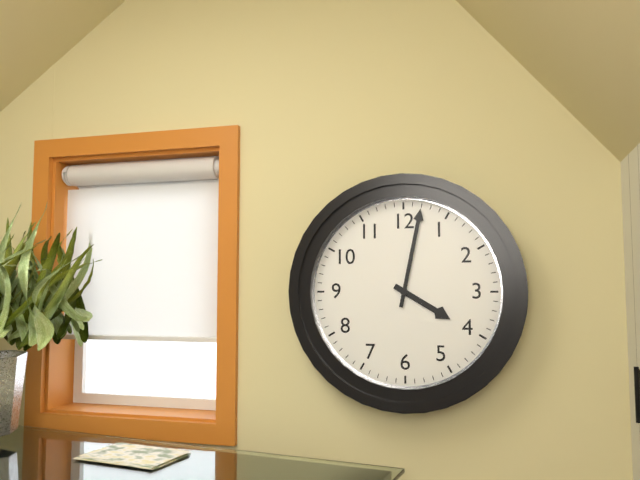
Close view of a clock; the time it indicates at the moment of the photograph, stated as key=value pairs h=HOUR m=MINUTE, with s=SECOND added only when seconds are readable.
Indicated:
h=4 m=2
